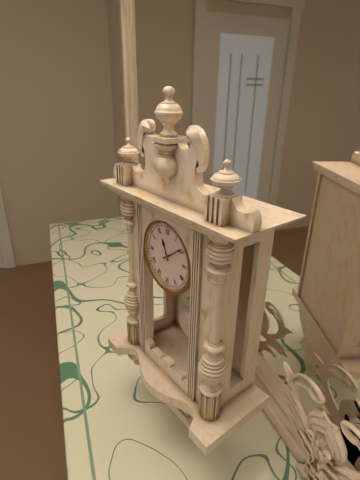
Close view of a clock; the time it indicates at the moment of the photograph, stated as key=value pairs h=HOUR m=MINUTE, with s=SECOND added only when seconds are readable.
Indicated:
h=11 m=9
